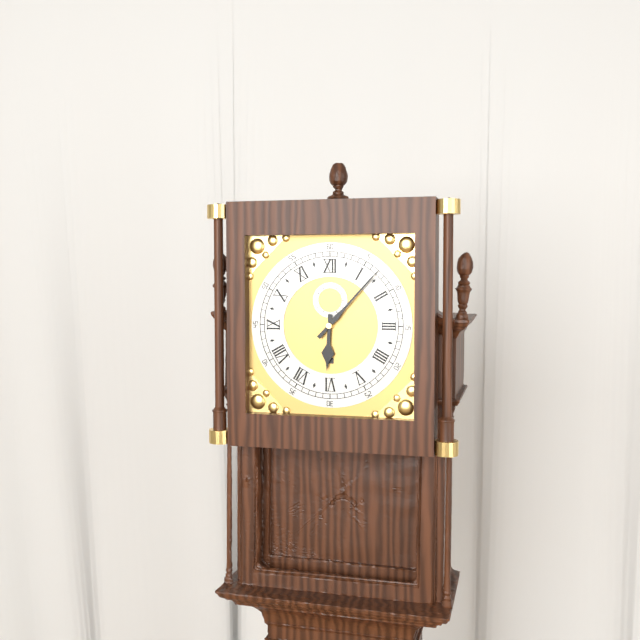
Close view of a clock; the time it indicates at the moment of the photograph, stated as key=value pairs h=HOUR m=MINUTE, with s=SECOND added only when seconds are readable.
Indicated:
h=6 m=7
